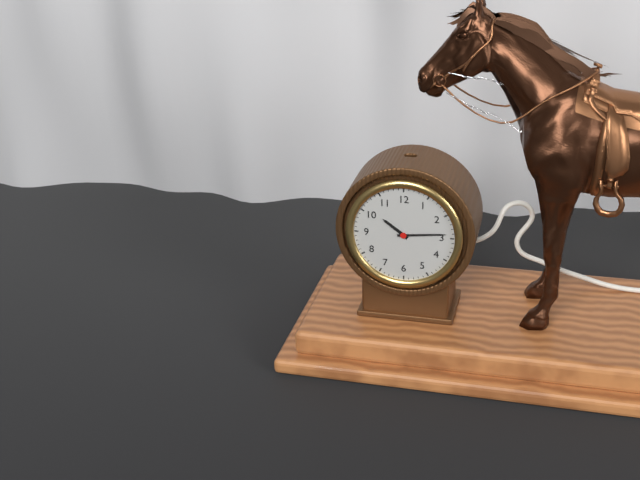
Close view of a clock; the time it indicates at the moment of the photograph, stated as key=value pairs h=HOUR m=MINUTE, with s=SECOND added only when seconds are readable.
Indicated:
h=10 m=14
